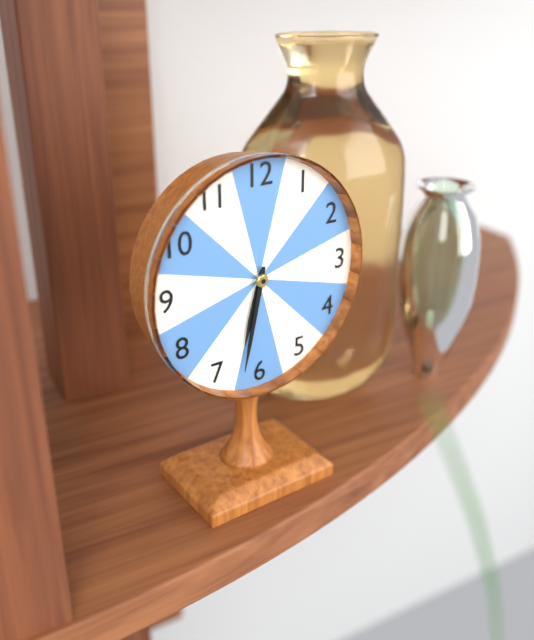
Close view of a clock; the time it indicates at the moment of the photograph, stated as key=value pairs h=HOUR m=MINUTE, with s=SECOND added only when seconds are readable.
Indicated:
h=6 m=32
